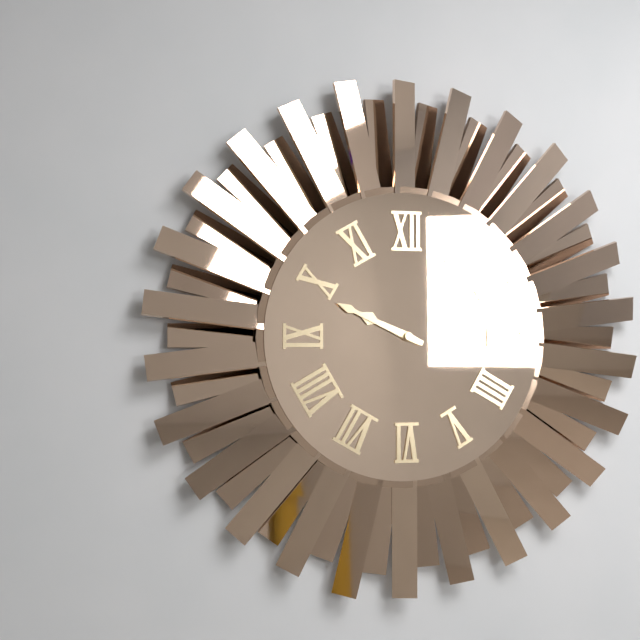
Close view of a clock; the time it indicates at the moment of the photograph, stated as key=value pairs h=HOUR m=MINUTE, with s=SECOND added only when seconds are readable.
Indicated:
h=9 m=49
